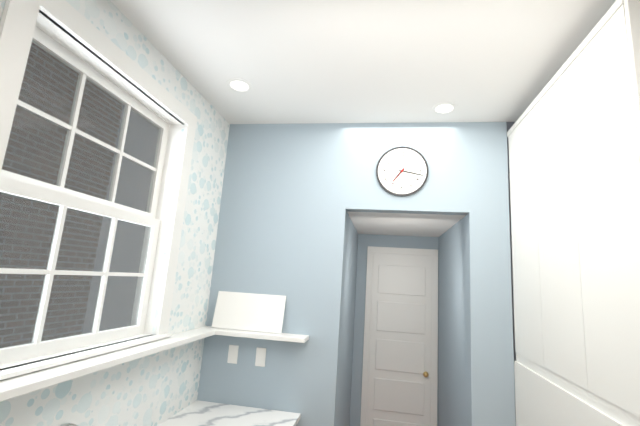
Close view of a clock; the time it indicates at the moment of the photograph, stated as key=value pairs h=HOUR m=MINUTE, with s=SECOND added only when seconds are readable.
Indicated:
h=7 m=17
